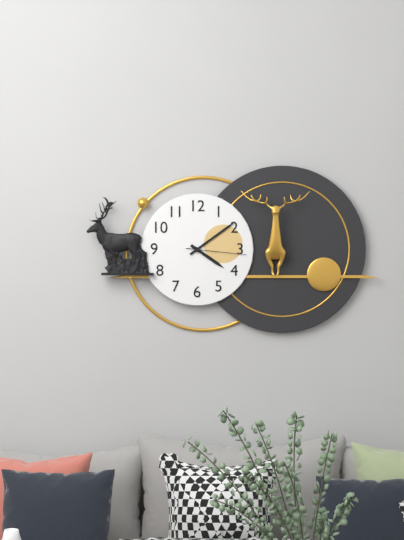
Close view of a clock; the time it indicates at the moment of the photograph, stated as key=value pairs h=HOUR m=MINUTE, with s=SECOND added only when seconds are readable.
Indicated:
h=4 m=9 s=16
